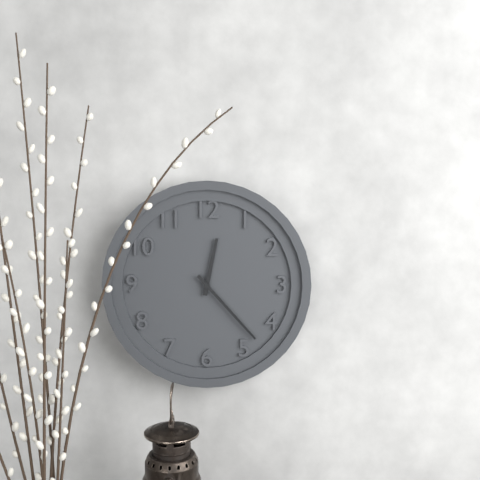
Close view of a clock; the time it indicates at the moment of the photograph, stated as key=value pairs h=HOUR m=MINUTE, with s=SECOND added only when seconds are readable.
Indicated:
h=12 m=23
